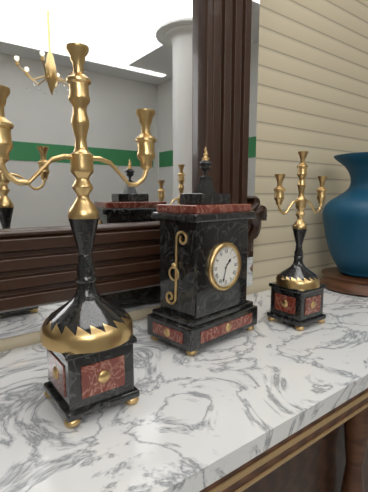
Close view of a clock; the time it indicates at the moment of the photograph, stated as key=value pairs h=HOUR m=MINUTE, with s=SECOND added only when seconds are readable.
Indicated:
h=1 m=33
